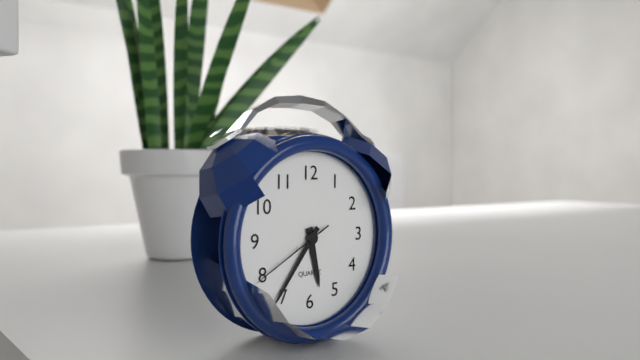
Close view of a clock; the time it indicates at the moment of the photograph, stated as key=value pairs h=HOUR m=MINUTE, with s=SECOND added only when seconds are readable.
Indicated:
h=5 m=36 s=40
